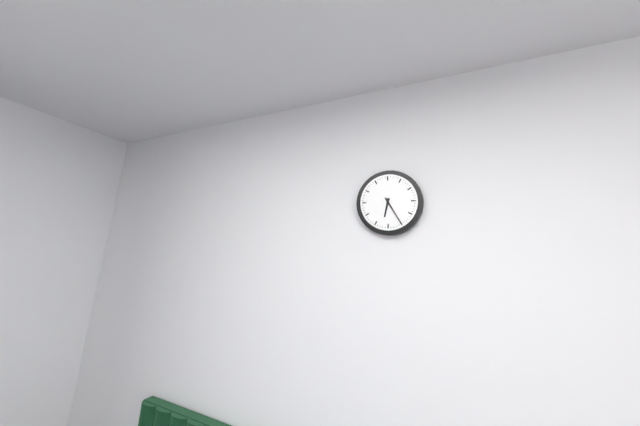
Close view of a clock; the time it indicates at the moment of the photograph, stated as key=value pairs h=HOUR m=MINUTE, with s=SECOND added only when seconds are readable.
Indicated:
h=6 m=25
